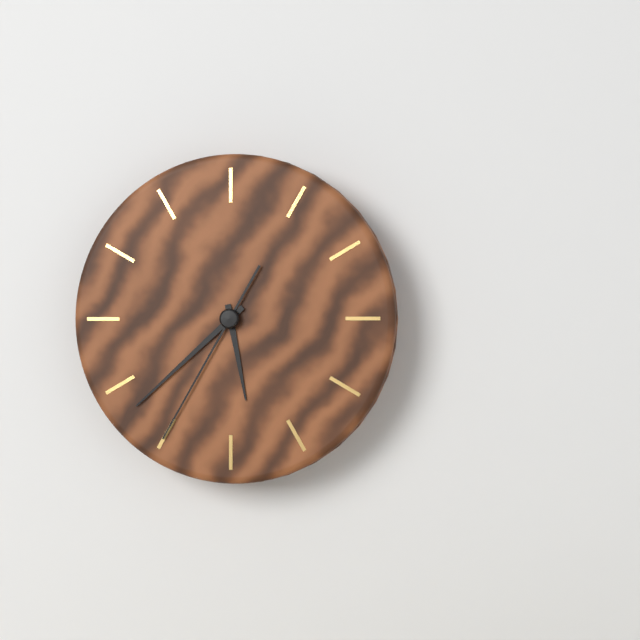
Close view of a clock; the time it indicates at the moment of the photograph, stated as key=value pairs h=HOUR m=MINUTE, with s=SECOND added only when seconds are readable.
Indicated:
h=5 m=38 s=35
